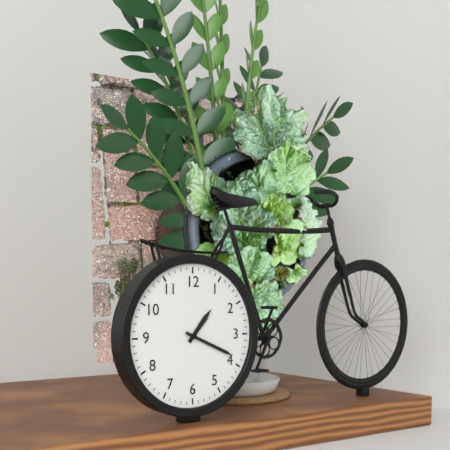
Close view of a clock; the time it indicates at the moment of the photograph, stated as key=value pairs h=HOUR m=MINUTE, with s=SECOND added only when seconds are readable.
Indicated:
h=1 m=19
